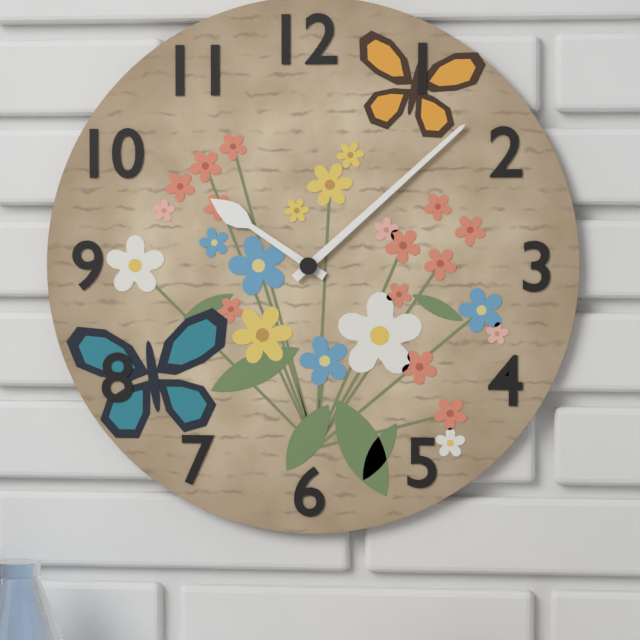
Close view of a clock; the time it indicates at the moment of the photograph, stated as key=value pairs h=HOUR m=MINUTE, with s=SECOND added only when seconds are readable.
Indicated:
h=10 m=8
